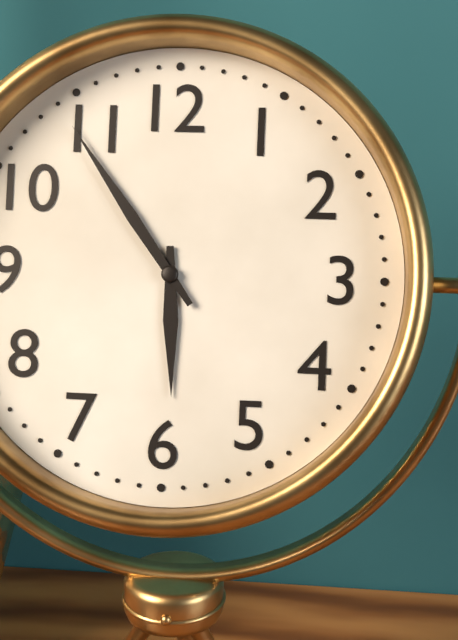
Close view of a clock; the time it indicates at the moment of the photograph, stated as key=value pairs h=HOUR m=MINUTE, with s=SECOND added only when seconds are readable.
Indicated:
h=5 m=54
